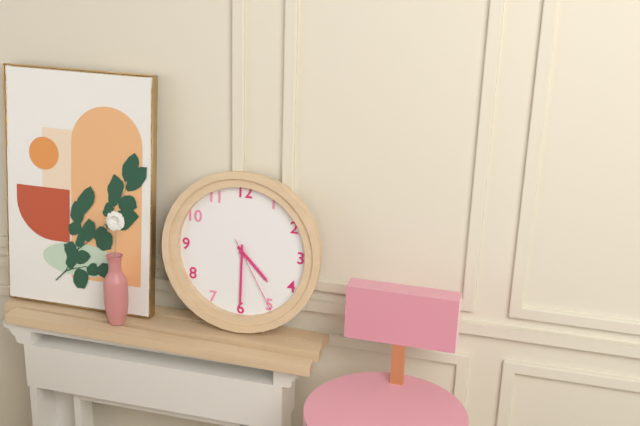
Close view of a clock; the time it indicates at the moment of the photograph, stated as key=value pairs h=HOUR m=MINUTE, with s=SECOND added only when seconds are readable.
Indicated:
h=4 m=30 s=25
